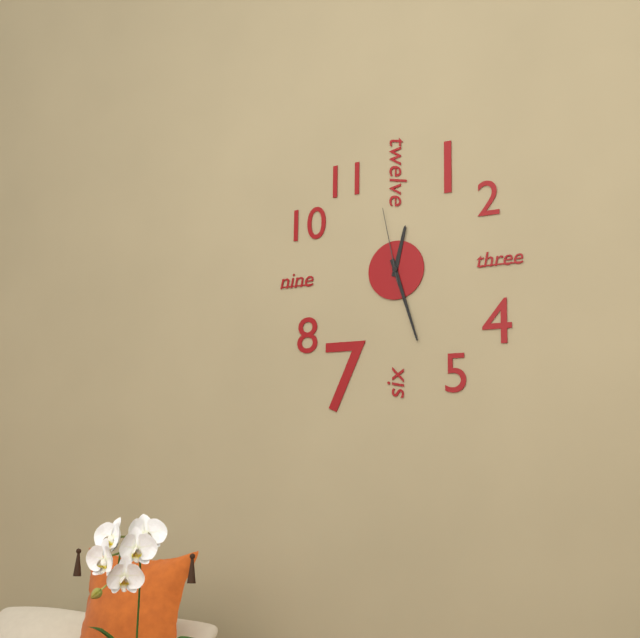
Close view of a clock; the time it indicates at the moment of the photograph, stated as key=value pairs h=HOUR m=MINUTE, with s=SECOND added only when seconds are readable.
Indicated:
h=12 m=27 s=58
